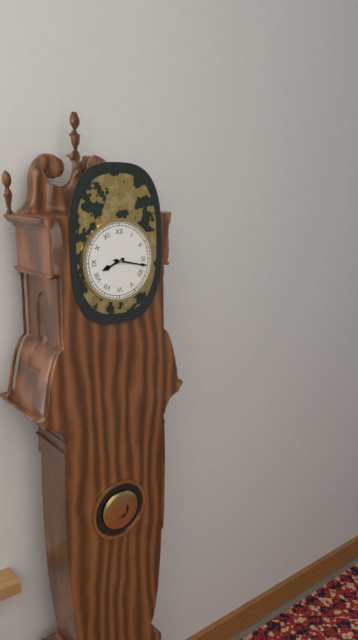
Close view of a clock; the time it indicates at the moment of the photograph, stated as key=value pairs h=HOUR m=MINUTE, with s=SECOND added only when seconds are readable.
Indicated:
h=8 m=17
